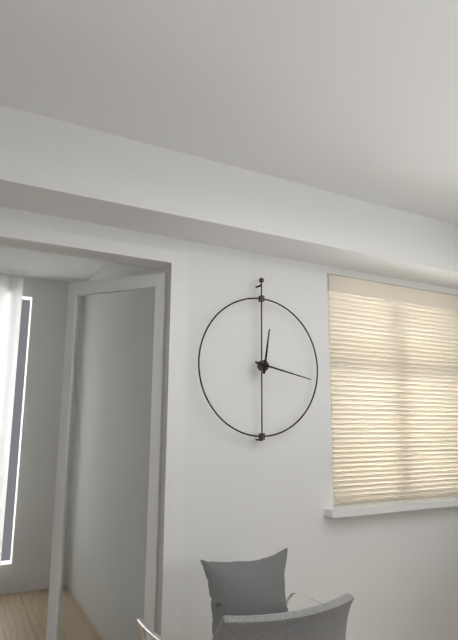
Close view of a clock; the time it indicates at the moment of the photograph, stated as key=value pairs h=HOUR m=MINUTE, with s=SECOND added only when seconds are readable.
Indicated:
h=12 m=17
